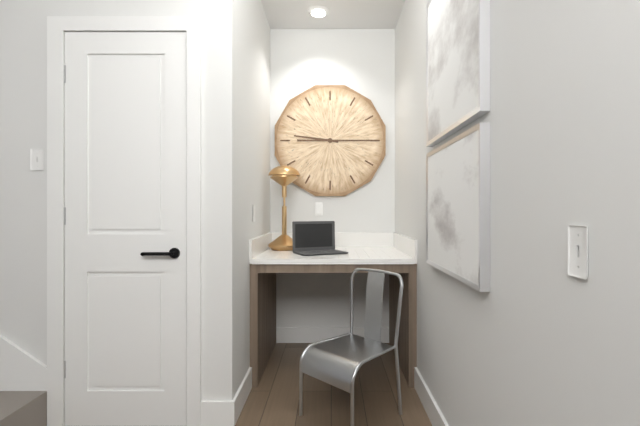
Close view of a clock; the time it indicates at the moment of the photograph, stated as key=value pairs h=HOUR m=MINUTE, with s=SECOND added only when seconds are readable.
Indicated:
h=9 m=15
